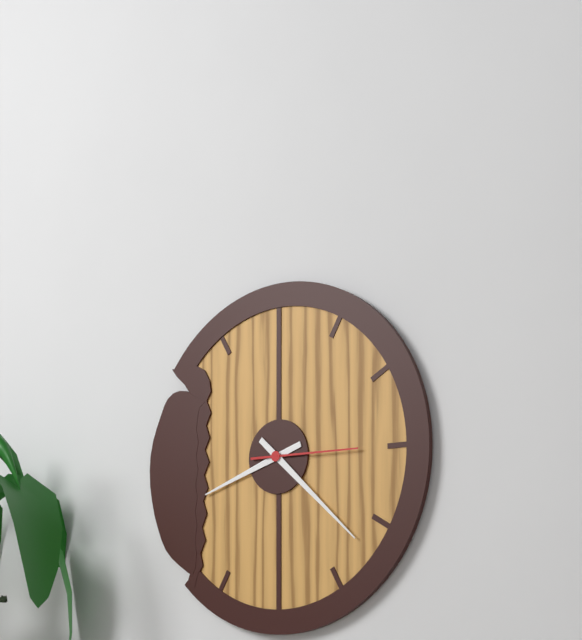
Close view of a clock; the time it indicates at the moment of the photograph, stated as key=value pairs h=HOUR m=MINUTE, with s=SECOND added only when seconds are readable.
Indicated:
h=8 m=22 s=15
